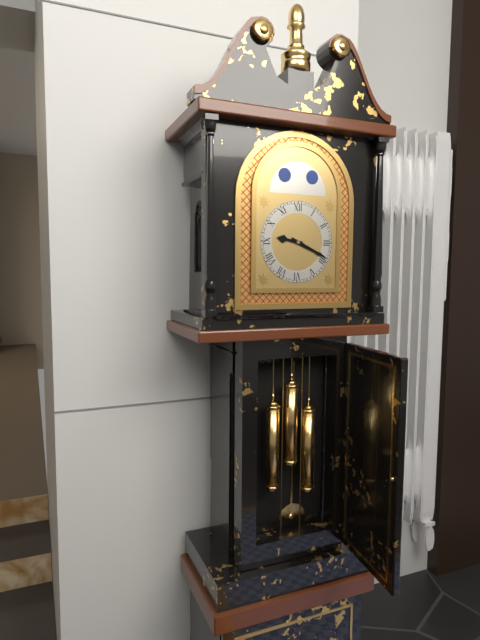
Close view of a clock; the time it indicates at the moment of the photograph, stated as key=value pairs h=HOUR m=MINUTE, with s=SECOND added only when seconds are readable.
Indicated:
h=9 m=19
